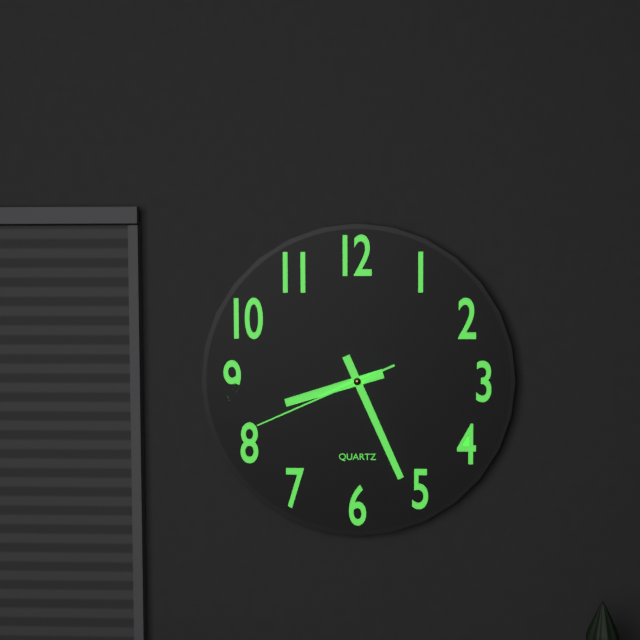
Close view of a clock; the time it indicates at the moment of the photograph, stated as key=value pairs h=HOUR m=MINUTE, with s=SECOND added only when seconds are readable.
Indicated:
h=8 m=26 s=41
